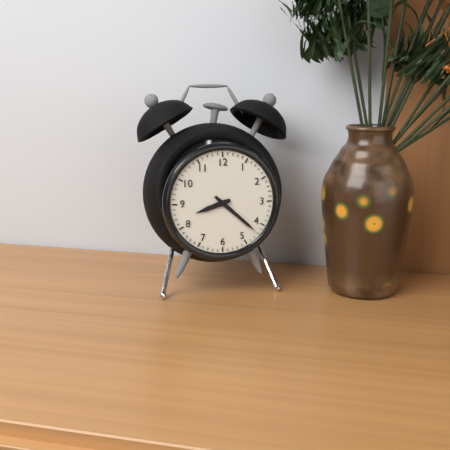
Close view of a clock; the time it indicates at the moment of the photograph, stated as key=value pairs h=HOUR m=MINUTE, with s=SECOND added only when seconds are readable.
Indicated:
h=8 m=22
